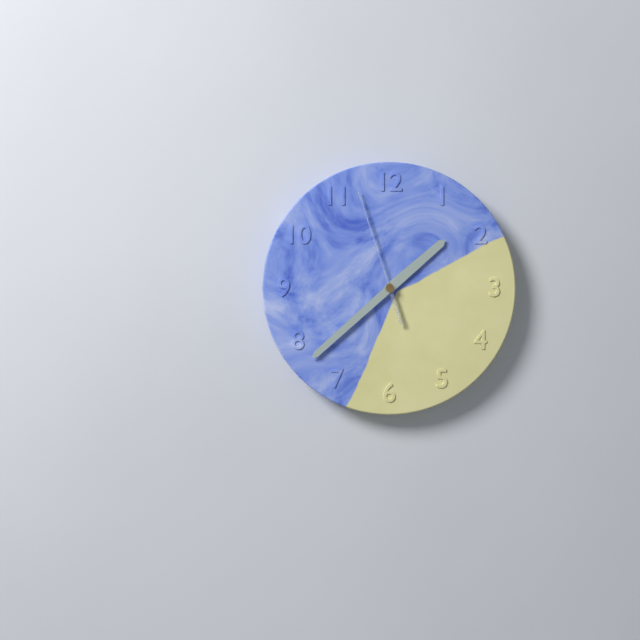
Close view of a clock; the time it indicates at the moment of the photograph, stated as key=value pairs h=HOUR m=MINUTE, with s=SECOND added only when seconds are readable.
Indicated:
h=1 m=38 s=57
